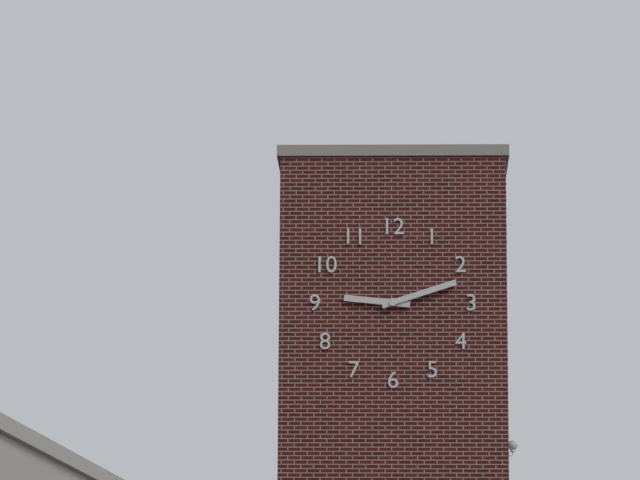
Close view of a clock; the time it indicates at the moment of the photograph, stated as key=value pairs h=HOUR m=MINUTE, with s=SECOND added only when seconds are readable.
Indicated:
h=9 m=12
